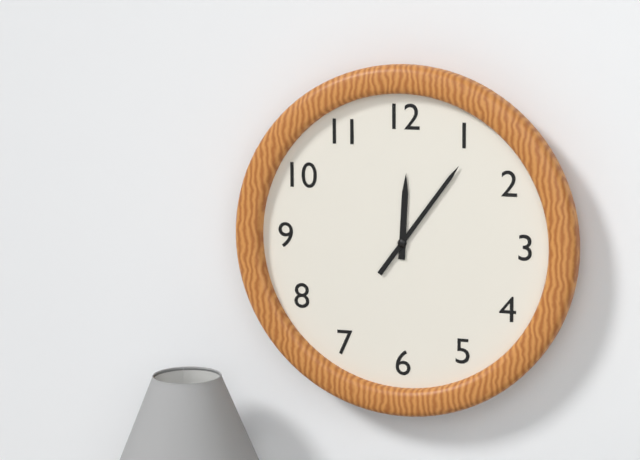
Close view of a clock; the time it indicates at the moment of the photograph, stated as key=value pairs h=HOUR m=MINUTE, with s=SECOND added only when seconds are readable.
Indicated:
h=12 m=6
